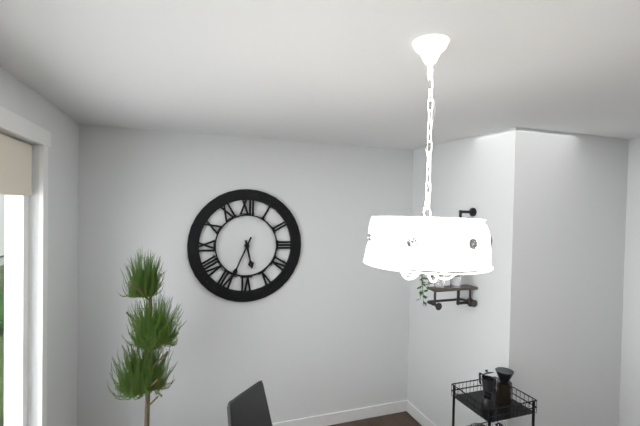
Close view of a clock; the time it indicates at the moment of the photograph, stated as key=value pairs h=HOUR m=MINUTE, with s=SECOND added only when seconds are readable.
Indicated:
h=5 m=34
